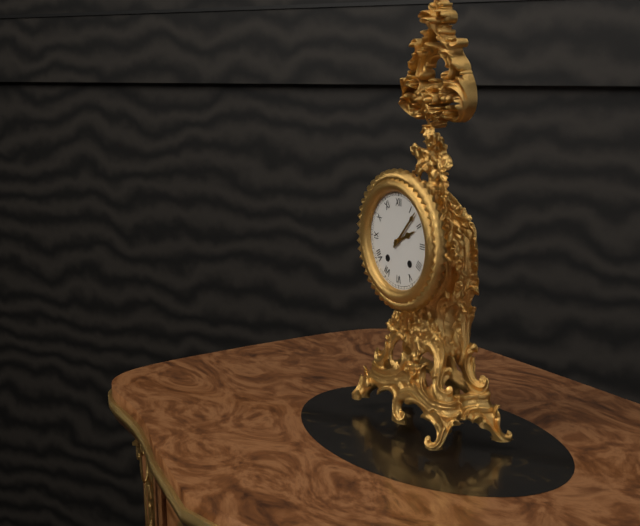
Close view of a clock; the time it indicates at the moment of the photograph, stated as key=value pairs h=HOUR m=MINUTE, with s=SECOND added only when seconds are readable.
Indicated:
h=2 m=7
